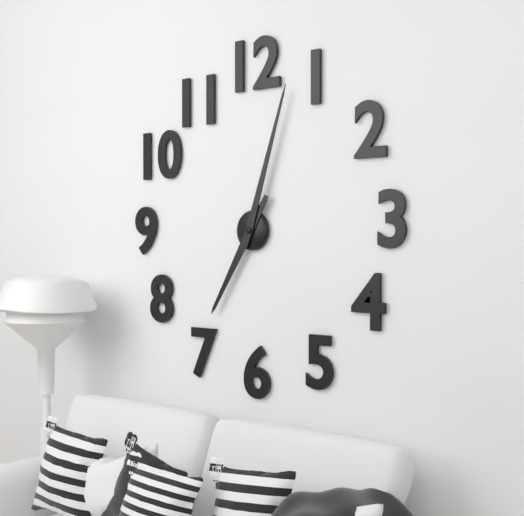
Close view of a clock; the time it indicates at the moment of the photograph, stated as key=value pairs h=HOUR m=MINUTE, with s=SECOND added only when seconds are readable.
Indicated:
h=7 m=3
